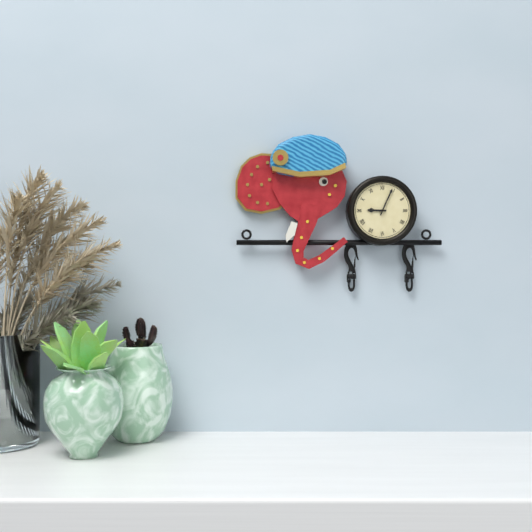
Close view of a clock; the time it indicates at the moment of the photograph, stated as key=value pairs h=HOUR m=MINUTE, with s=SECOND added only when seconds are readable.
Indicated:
h=9 m=4
